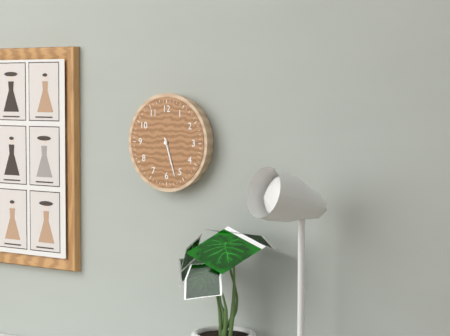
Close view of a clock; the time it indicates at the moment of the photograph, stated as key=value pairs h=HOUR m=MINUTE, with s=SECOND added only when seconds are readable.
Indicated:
h=5 m=27
